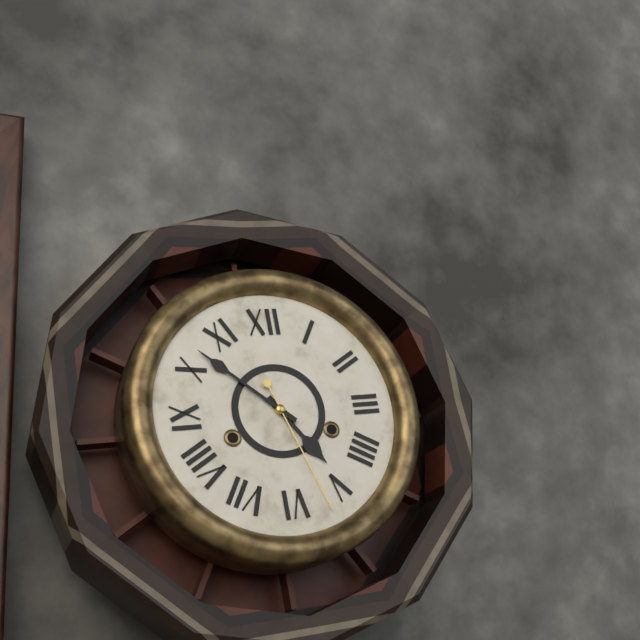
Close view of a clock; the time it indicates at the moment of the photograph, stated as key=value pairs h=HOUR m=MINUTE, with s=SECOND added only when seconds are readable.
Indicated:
h=4 m=52 s=27
